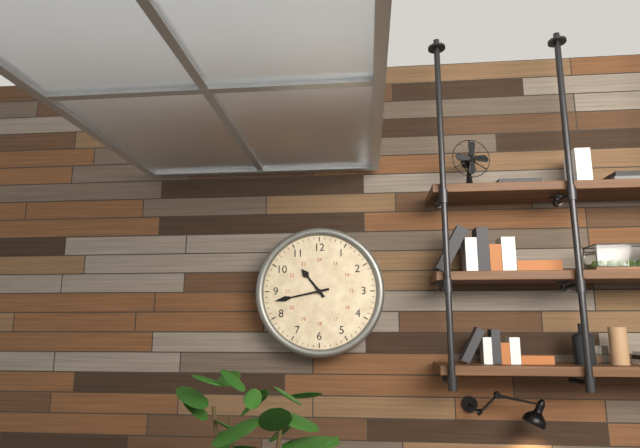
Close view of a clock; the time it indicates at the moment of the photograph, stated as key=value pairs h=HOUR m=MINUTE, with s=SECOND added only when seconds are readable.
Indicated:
h=10 m=43
